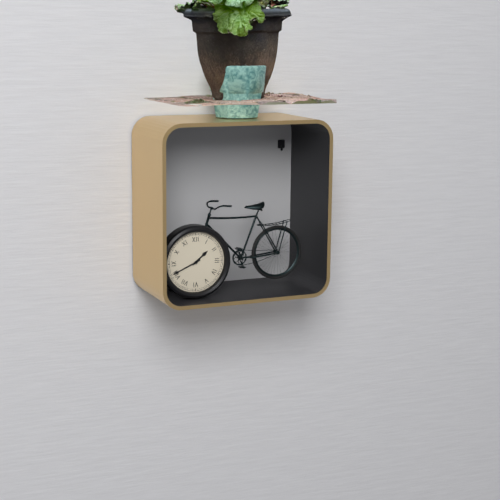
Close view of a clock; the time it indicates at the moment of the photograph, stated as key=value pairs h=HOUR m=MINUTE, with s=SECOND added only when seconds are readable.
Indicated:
h=1 m=41
